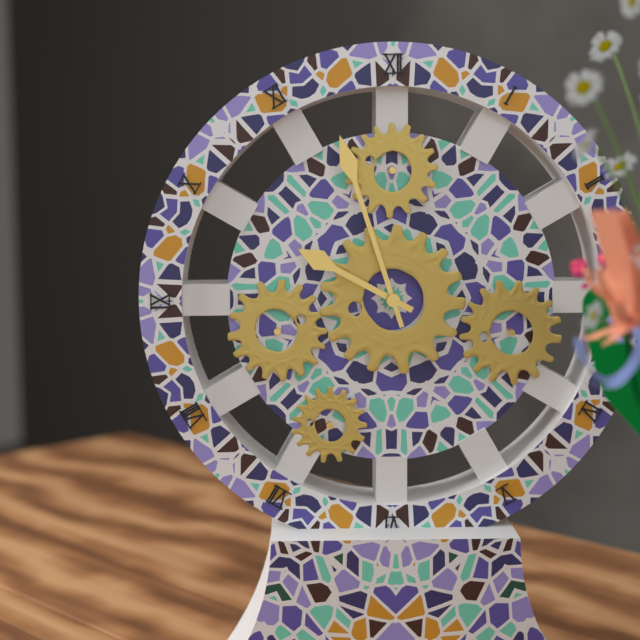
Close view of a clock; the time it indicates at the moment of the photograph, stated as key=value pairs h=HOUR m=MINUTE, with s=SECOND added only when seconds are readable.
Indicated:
h=9 m=57
